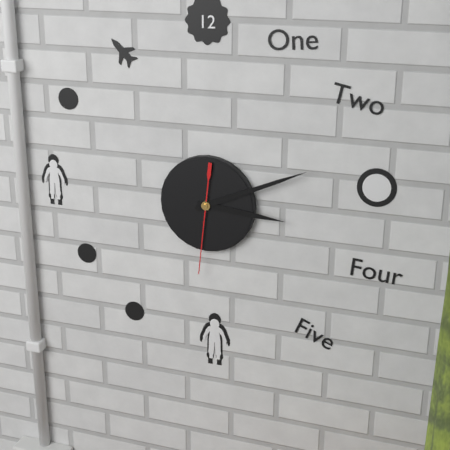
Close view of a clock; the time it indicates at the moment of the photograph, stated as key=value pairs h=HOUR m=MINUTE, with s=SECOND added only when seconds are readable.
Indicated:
h=3 m=11 s=31
